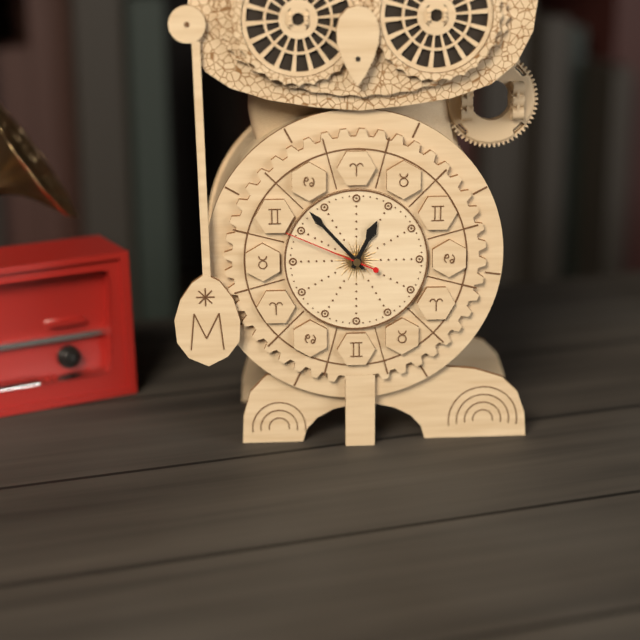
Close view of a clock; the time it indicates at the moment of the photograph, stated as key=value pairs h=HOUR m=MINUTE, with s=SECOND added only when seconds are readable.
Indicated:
h=12 m=53 s=49
